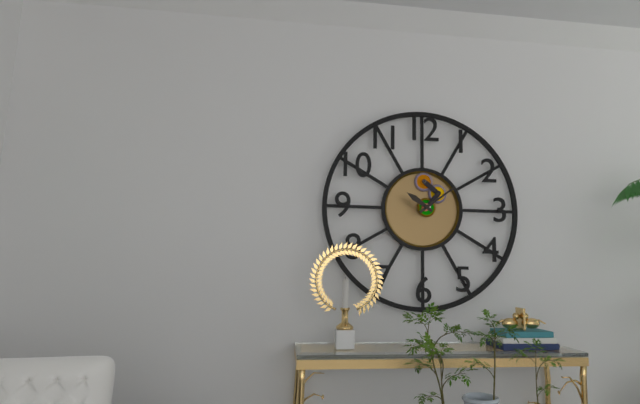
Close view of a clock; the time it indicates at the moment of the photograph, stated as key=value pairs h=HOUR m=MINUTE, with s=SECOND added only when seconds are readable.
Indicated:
h=10 m=9
